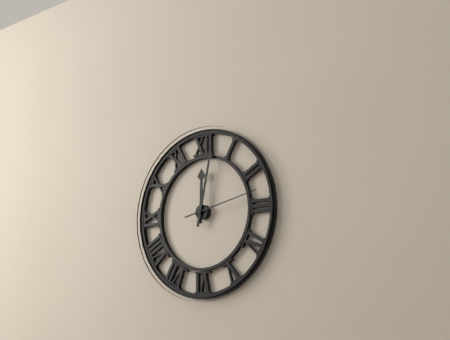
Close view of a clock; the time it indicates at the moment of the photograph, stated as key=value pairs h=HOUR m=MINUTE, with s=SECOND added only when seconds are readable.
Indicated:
h=12 m=2 s=13
